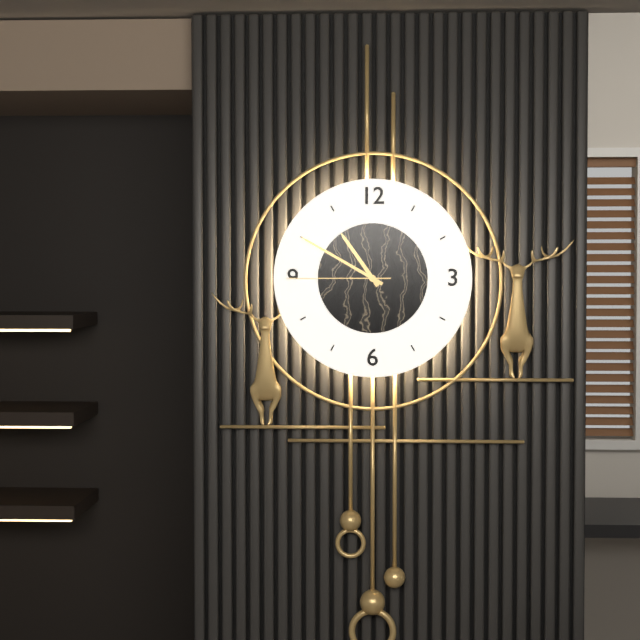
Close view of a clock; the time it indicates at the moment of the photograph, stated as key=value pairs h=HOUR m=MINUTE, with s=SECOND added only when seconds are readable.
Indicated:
h=10 m=50 s=45
